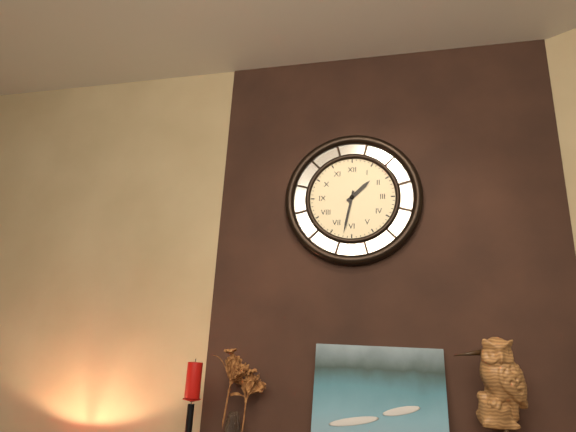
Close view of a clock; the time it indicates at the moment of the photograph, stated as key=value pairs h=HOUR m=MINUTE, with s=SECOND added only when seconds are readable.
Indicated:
h=1 m=32
